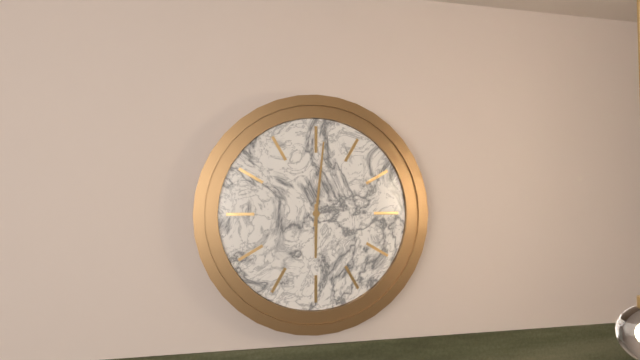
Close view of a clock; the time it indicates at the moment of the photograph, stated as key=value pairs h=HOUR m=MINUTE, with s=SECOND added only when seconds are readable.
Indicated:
h=6 m=1
